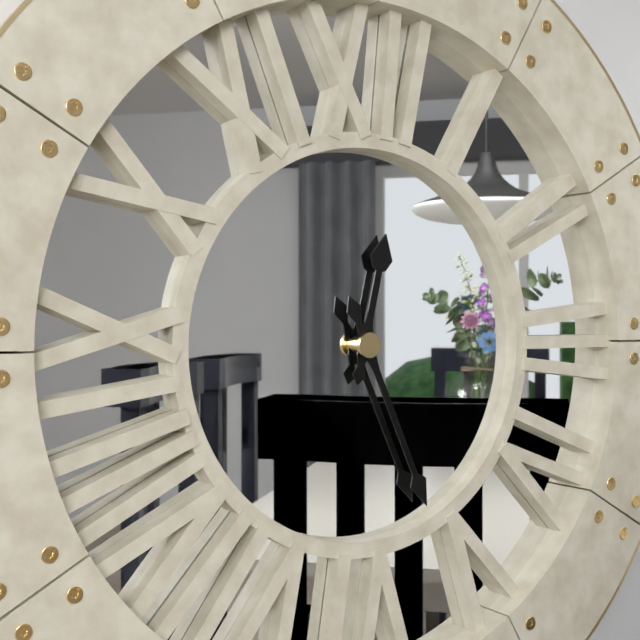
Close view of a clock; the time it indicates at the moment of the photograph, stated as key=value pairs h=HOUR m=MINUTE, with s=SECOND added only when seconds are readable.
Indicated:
h=12 m=26
